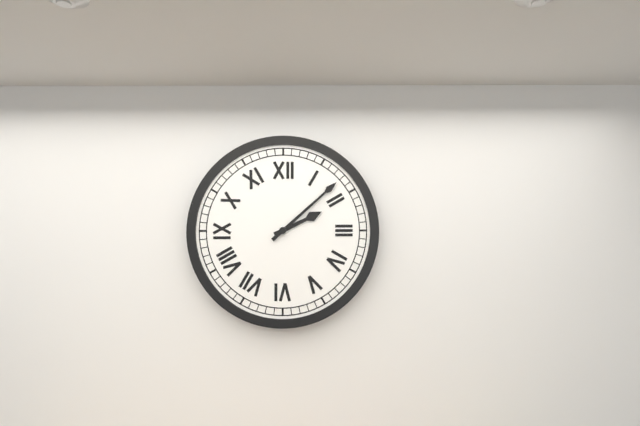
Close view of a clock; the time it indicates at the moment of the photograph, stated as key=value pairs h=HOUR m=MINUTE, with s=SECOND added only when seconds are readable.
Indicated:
h=2 m=8
